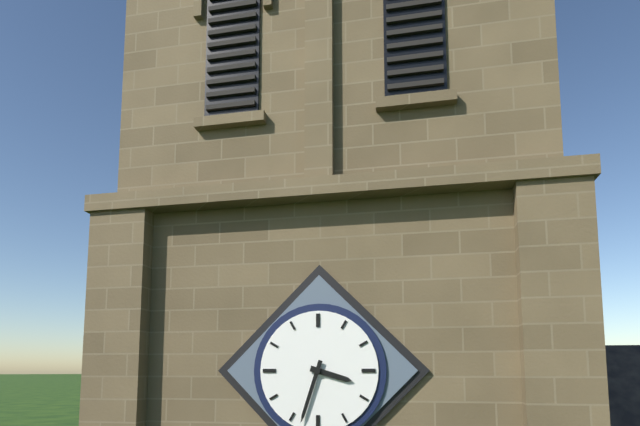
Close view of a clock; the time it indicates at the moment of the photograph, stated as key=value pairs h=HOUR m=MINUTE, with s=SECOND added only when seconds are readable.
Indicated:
h=3 m=33
